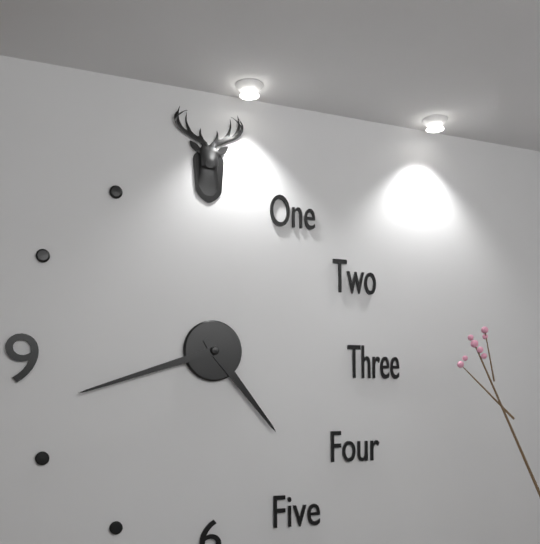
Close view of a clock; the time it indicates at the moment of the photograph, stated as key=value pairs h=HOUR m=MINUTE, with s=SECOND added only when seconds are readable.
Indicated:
h=4 m=42
